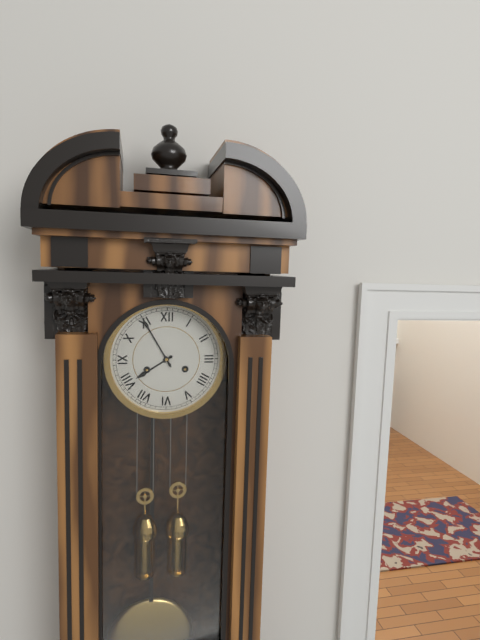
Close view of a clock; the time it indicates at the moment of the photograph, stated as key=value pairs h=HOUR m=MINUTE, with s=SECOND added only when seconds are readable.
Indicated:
h=7 m=55
